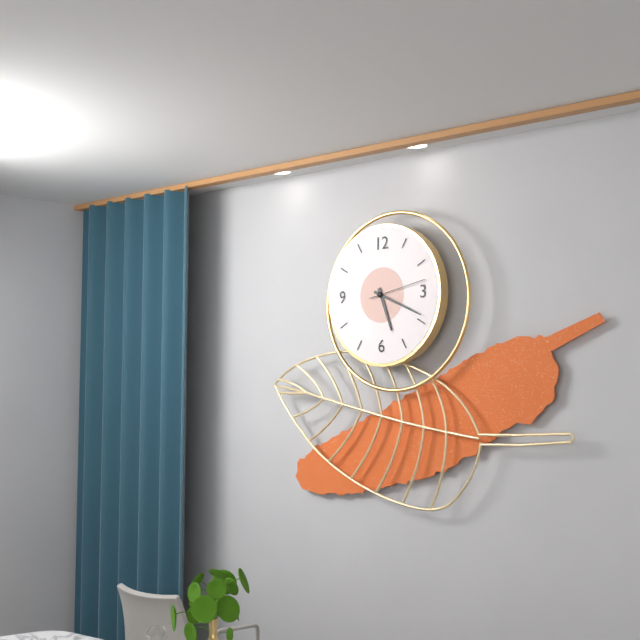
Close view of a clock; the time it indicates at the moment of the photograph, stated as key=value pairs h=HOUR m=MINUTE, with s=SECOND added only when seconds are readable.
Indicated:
h=5 m=19 s=13
